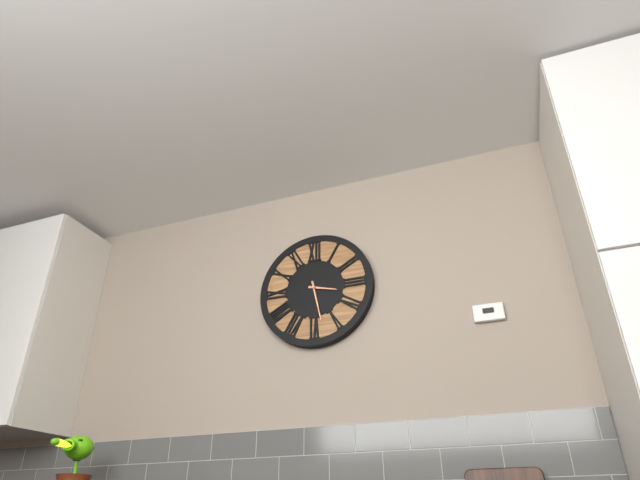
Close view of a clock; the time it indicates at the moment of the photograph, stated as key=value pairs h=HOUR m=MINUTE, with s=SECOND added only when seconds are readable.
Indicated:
h=3 m=28
